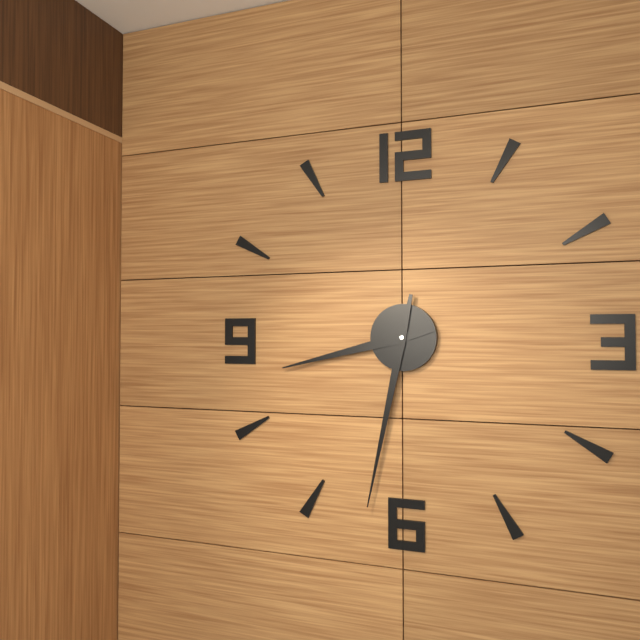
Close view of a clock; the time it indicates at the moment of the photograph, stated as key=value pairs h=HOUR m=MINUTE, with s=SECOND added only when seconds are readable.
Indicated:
h=8 m=32
